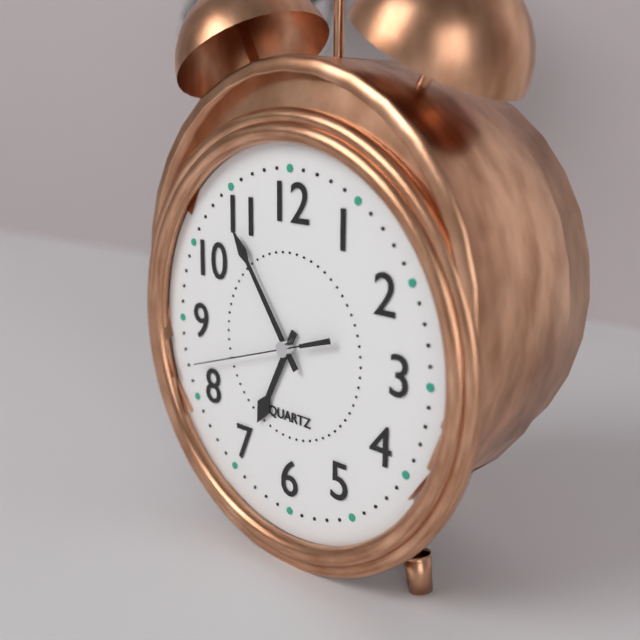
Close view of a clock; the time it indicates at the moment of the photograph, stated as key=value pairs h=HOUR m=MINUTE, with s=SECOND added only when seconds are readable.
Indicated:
h=6 m=54 s=42
